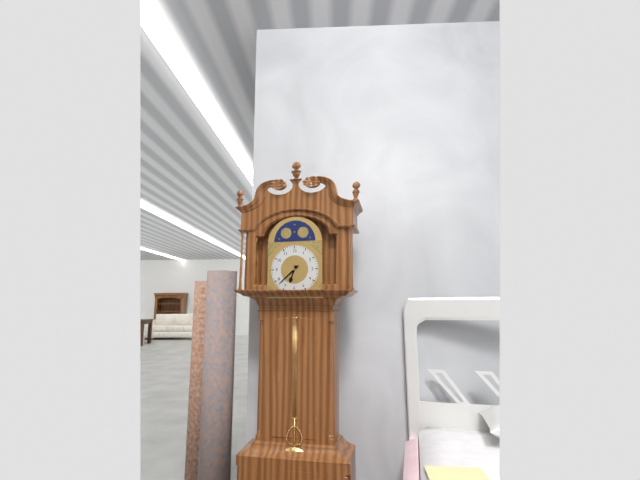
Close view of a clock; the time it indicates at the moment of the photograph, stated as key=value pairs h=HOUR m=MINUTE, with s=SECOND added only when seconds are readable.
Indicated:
h=6 m=38
